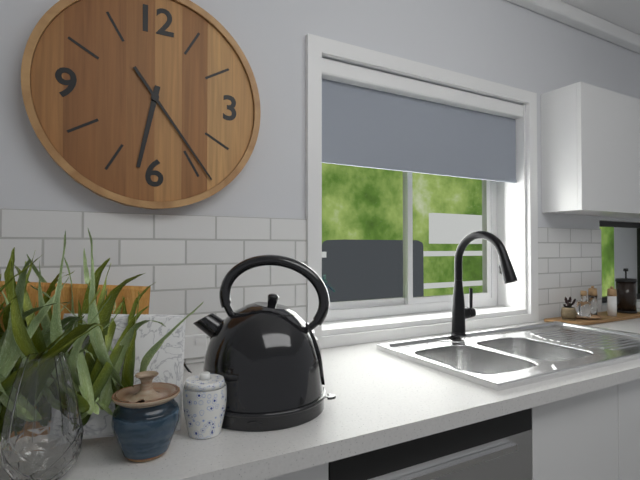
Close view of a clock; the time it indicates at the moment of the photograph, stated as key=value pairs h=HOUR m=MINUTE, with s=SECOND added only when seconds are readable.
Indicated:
h=6 m=24
